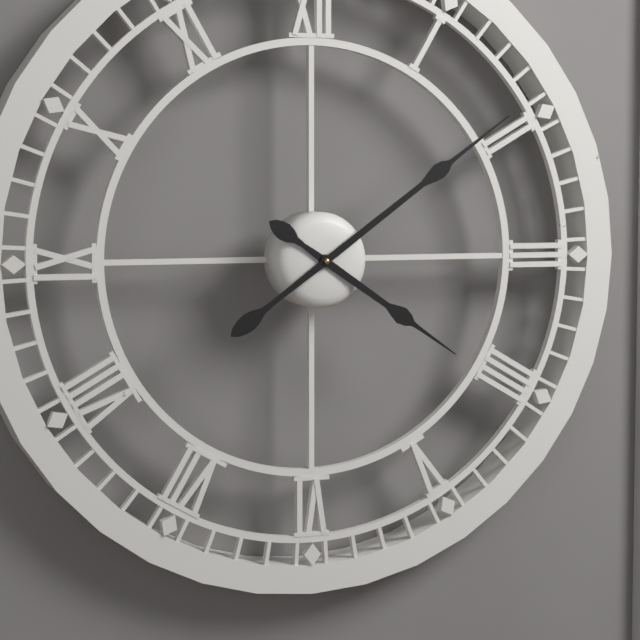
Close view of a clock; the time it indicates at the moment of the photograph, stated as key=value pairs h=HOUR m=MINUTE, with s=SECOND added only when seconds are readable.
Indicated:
h=4 m=9
